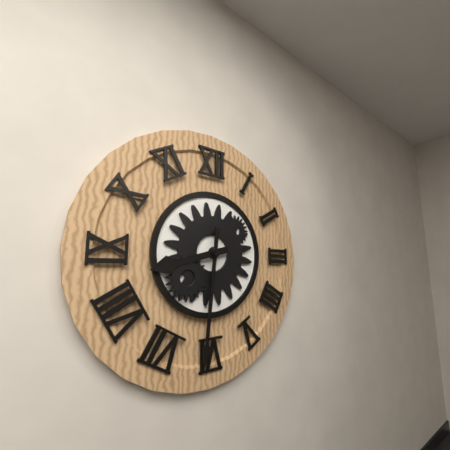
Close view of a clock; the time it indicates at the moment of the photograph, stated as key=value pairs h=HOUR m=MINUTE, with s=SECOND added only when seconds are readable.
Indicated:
h=8 m=31
